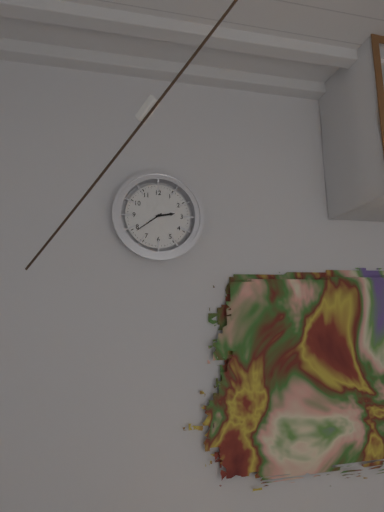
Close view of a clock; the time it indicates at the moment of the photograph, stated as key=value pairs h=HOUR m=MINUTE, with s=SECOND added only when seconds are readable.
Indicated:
h=2 m=39
